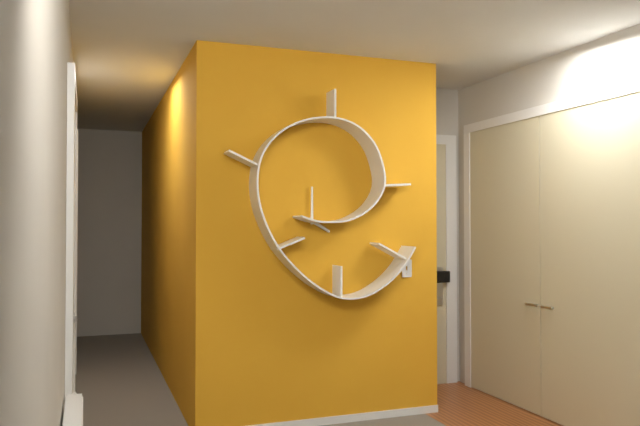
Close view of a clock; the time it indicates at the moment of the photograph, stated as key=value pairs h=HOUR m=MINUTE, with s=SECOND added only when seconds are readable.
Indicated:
h=4 m=0
